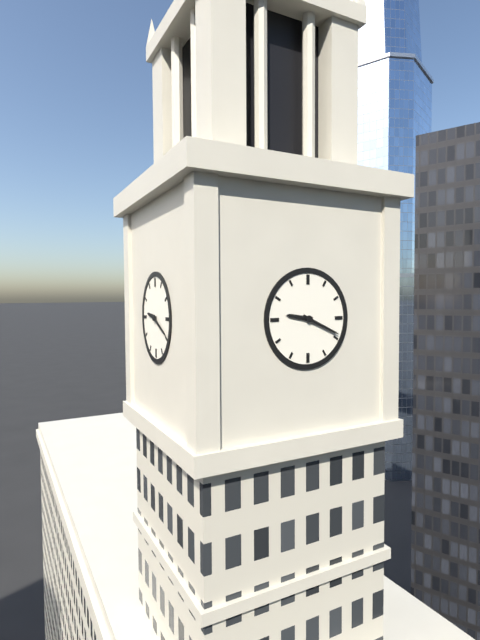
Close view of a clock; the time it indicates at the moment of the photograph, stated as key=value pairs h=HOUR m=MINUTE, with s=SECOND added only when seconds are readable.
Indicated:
h=9 m=19
